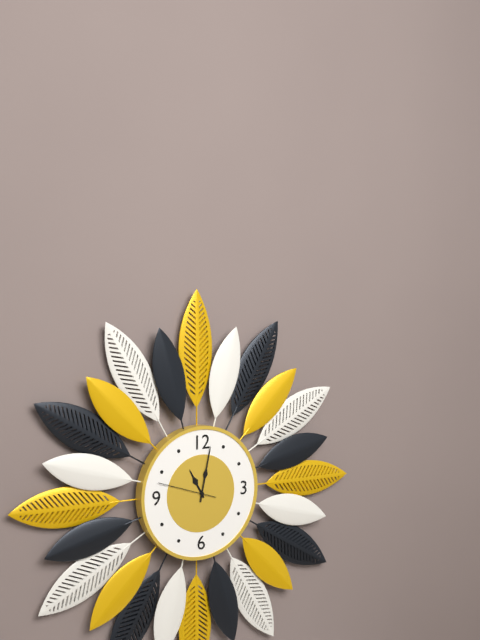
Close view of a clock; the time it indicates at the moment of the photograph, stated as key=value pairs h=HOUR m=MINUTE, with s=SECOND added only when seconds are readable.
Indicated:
h=11 m=2 s=48
